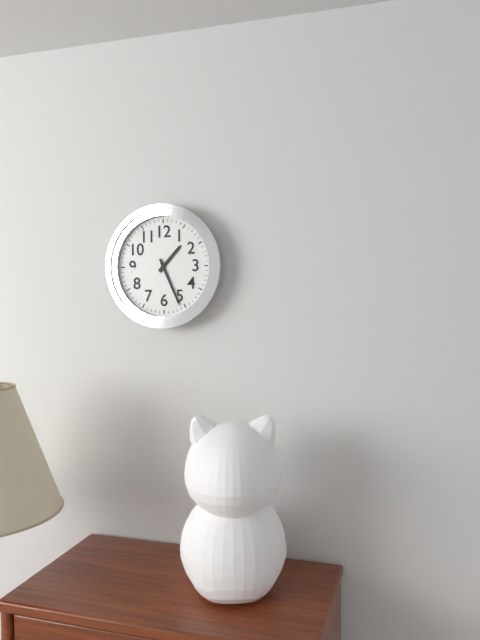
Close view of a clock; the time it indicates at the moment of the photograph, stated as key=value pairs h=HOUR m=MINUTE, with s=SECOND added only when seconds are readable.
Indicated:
h=1 m=26
